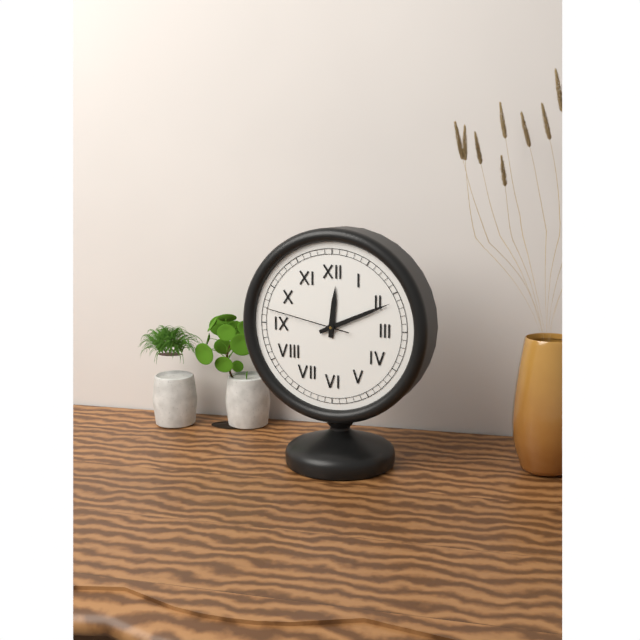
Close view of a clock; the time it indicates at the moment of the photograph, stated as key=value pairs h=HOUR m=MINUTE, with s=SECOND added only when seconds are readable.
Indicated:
h=12 m=11 s=47
